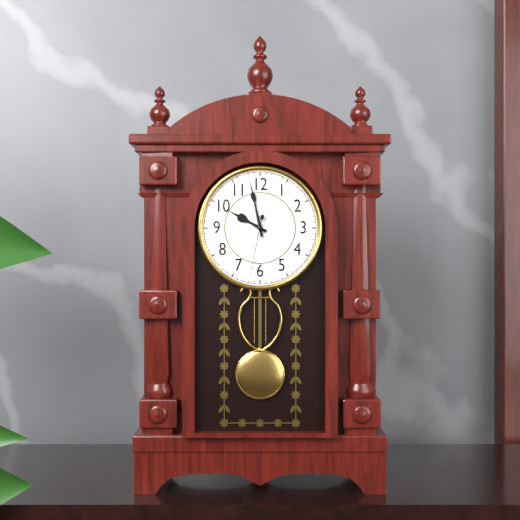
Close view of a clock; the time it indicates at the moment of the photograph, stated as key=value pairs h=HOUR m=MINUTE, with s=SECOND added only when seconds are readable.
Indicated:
h=9 m=58 s=32
